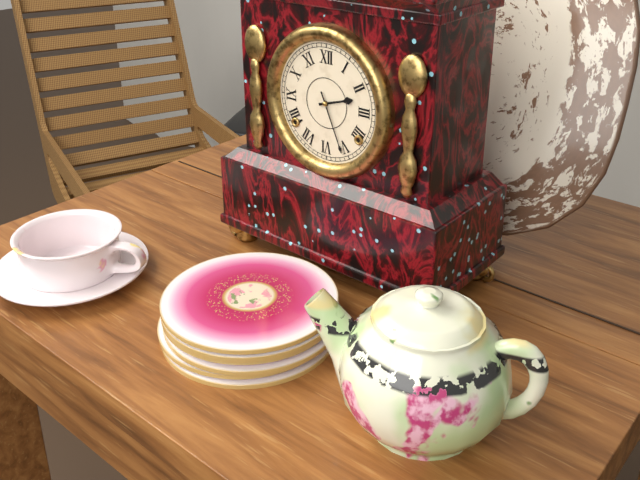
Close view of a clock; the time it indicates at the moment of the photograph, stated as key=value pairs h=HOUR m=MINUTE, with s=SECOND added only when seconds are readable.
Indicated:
h=2 m=26
